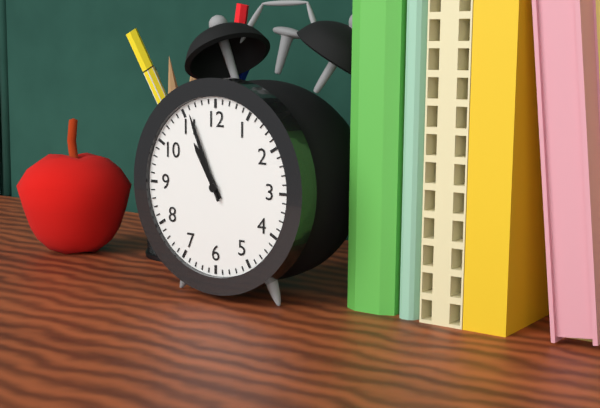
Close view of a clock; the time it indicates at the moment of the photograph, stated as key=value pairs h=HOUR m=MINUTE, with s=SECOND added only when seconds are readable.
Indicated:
h=10 m=56
